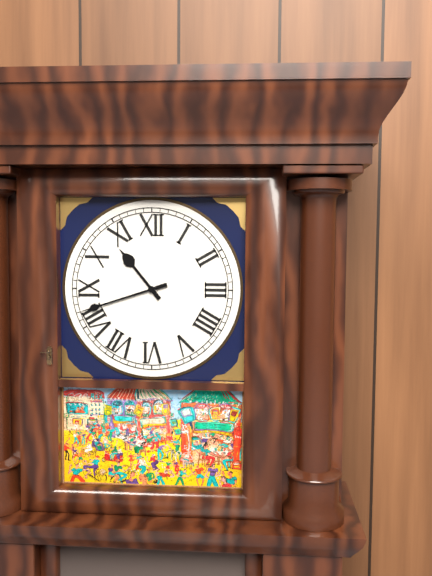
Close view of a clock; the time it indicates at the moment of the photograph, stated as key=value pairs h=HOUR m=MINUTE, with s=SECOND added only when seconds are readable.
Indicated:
h=10 m=42
